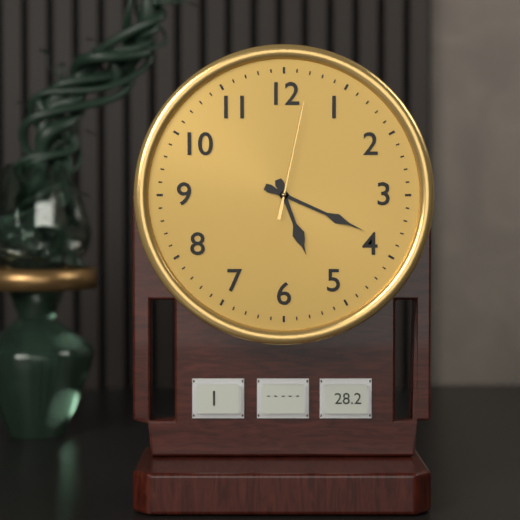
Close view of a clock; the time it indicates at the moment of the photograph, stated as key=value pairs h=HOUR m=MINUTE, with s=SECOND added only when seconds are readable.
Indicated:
h=5 m=19 s=2
